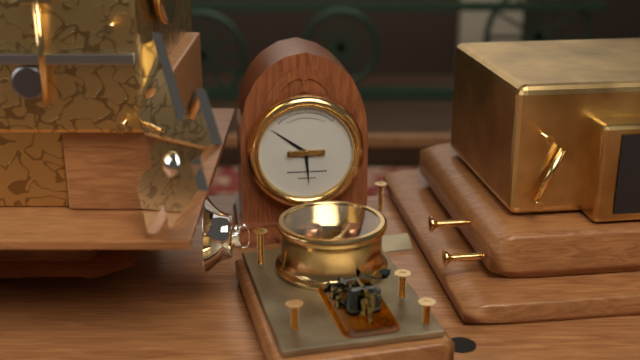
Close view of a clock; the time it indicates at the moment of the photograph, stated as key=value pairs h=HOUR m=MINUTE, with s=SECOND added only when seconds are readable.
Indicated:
h=5 m=51
